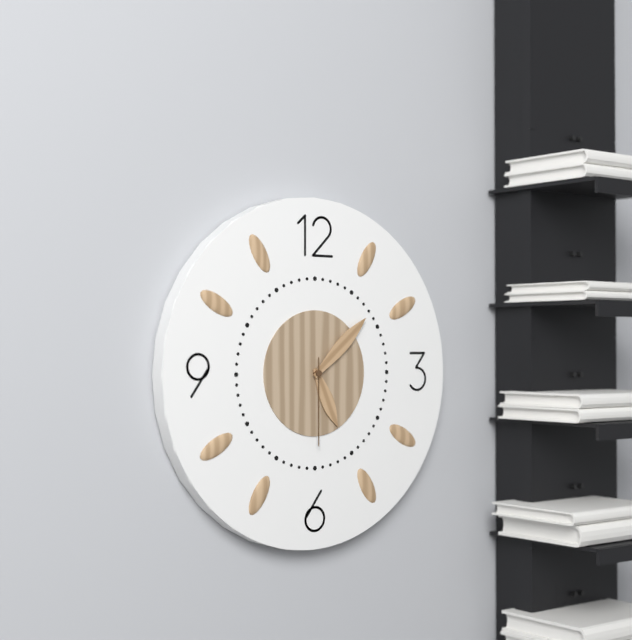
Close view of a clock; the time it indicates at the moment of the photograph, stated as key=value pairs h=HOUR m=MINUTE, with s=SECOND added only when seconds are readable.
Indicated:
h=5 m=8 s=30
